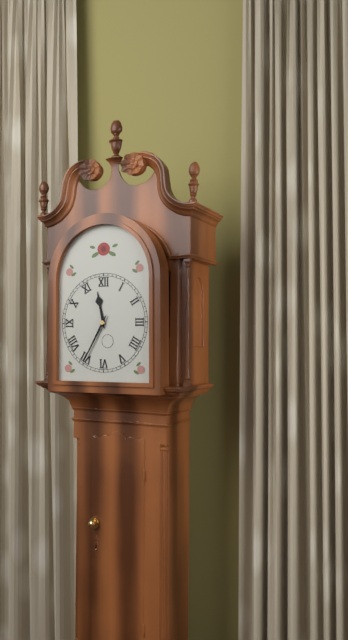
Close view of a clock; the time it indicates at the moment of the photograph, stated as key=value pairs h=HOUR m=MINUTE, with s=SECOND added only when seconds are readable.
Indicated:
h=11 m=35
